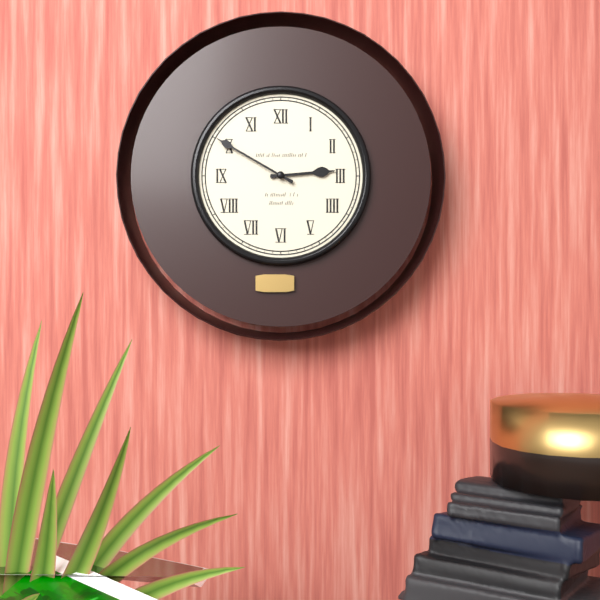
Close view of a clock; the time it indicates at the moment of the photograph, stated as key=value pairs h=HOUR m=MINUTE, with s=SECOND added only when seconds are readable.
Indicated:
h=2 m=50
